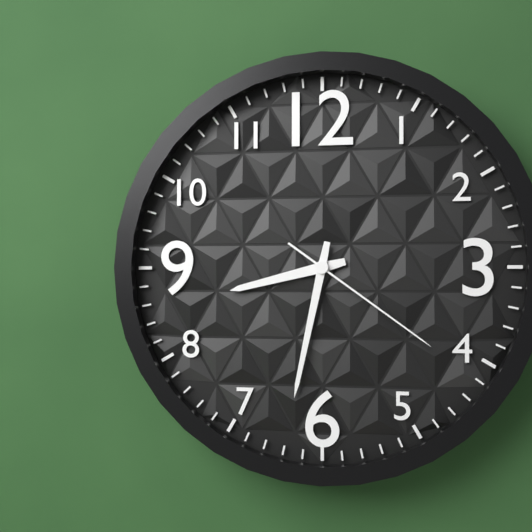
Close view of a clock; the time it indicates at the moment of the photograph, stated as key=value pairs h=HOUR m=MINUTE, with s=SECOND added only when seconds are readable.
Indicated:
h=8 m=32 s=21
